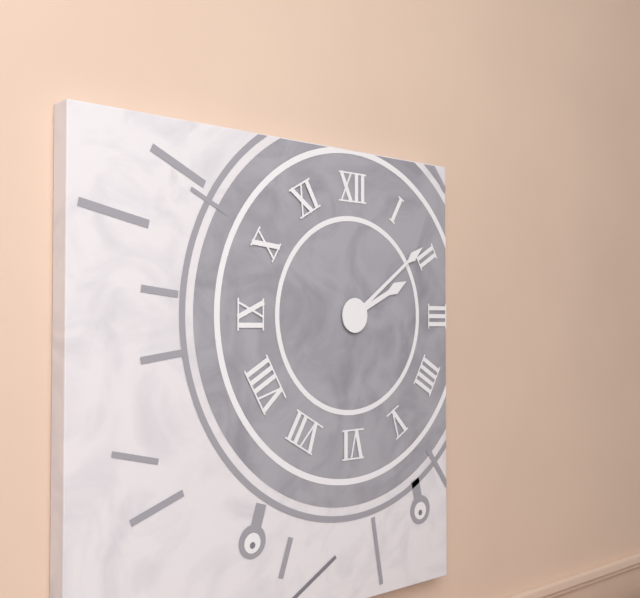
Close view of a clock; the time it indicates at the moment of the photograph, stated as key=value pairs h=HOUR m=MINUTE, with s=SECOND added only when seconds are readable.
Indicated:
h=2 m=9
